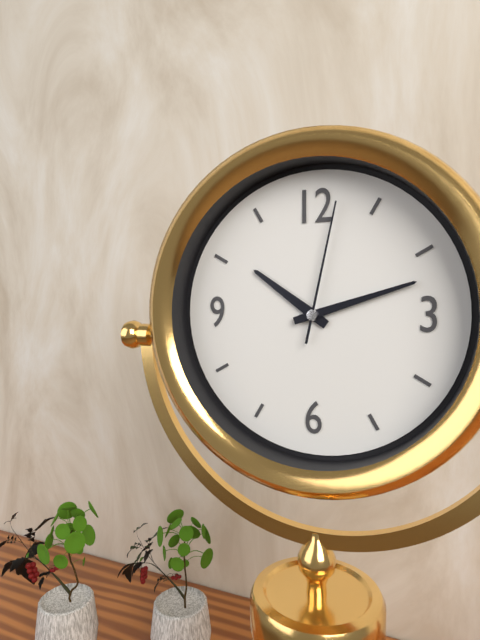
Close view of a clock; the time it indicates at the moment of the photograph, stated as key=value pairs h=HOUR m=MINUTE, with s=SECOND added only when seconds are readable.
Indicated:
h=10 m=12 s=2
